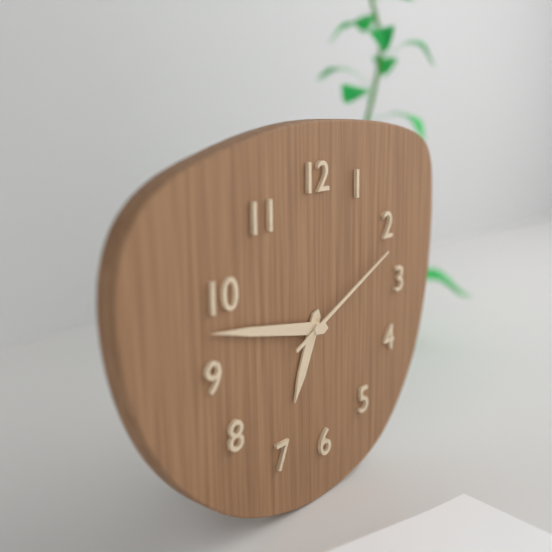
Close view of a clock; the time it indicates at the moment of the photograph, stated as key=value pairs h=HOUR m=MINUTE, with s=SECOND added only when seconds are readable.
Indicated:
h=6 m=47 s=11
